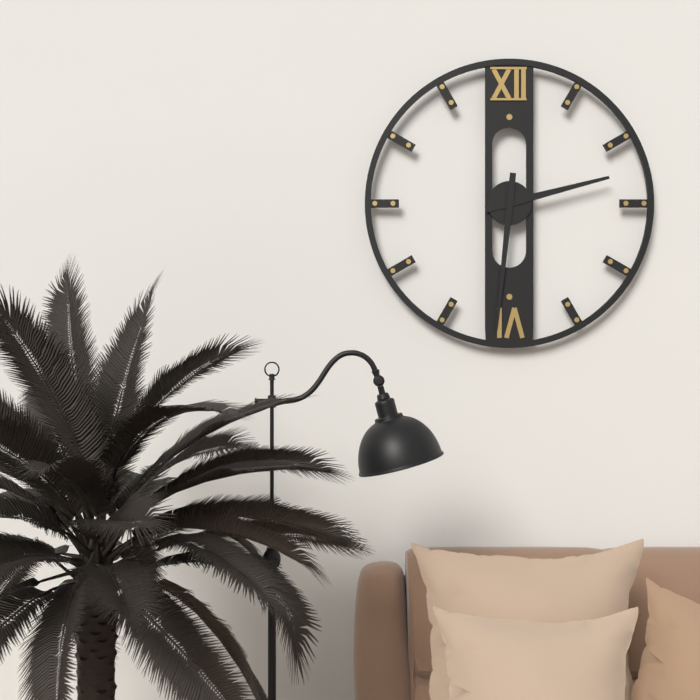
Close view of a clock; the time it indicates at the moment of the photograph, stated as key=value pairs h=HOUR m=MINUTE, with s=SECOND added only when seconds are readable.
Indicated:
h=2 m=31
